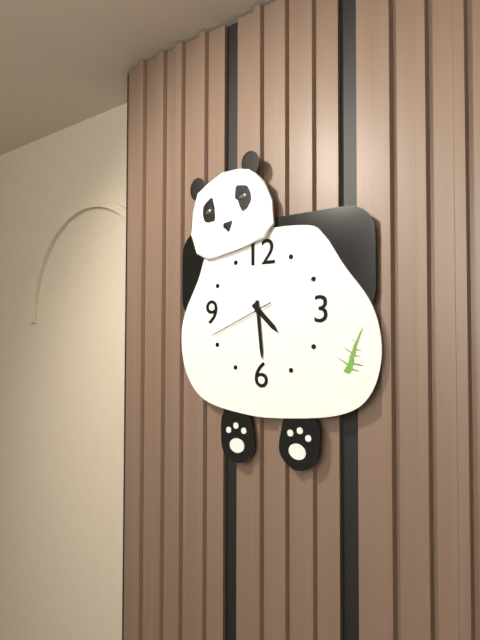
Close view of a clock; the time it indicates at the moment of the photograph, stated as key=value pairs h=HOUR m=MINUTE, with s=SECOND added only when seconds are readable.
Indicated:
h=4 m=29 s=41
